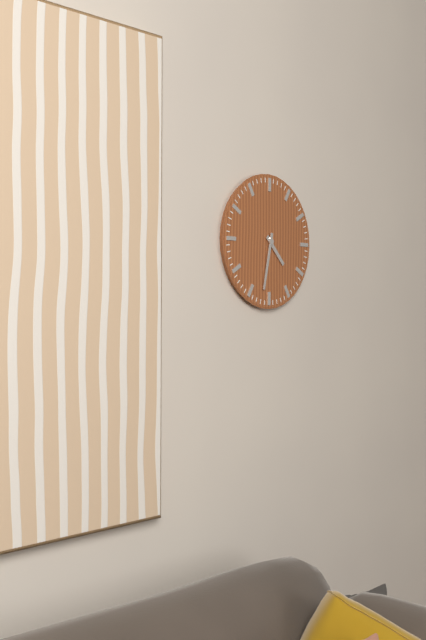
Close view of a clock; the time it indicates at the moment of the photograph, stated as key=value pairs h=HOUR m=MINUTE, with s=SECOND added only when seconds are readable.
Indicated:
h=4 m=32
